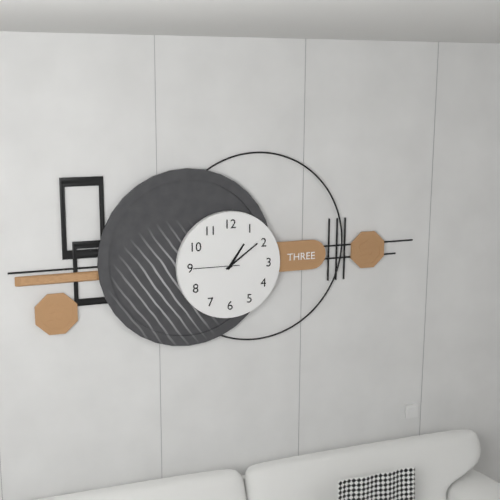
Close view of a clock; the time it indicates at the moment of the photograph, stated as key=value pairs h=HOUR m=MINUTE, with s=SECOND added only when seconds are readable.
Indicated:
h=1 m=9
